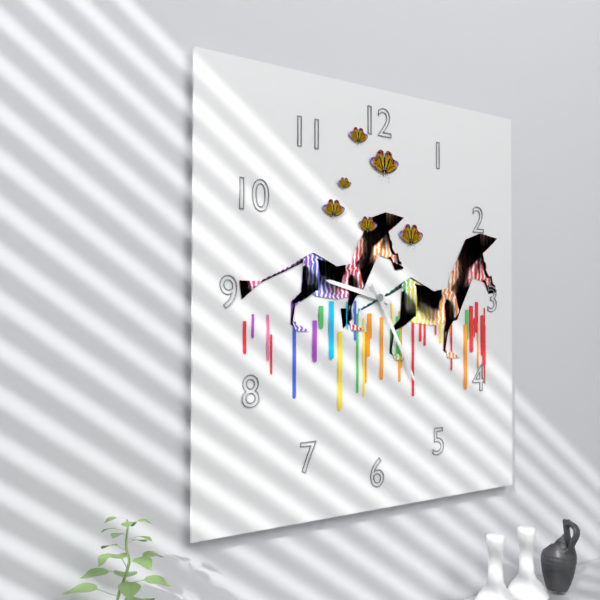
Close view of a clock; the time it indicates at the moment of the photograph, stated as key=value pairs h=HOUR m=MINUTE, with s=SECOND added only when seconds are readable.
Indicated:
h=9 m=25
